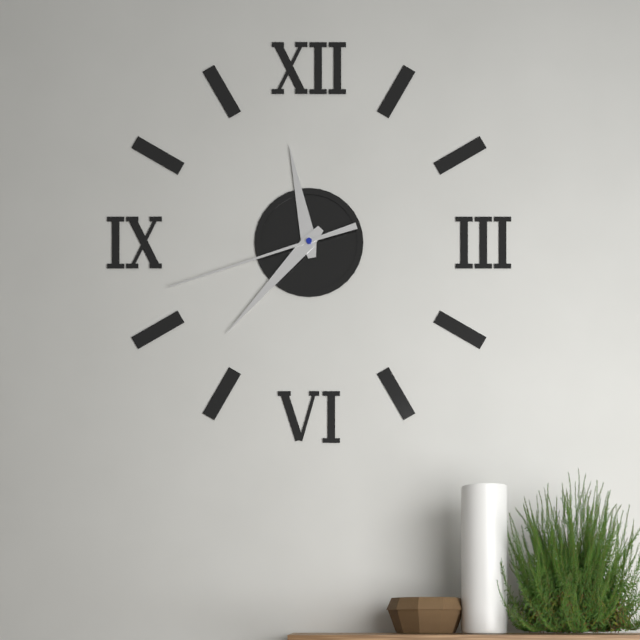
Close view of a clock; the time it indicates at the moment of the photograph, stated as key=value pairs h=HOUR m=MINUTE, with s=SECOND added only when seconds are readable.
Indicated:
h=11 m=37 s=42
